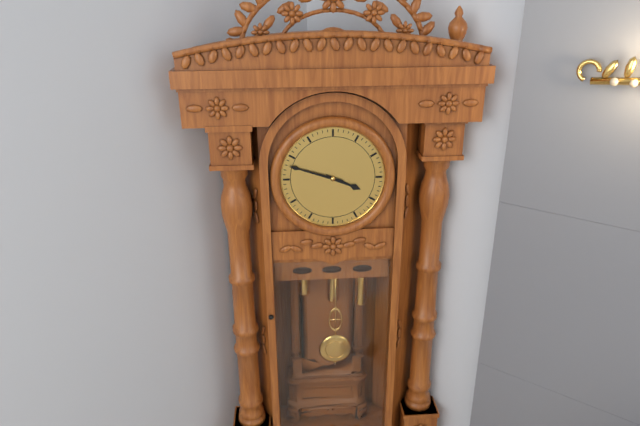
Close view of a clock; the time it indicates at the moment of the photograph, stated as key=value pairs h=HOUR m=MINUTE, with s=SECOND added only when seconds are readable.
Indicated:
h=3 m=48
